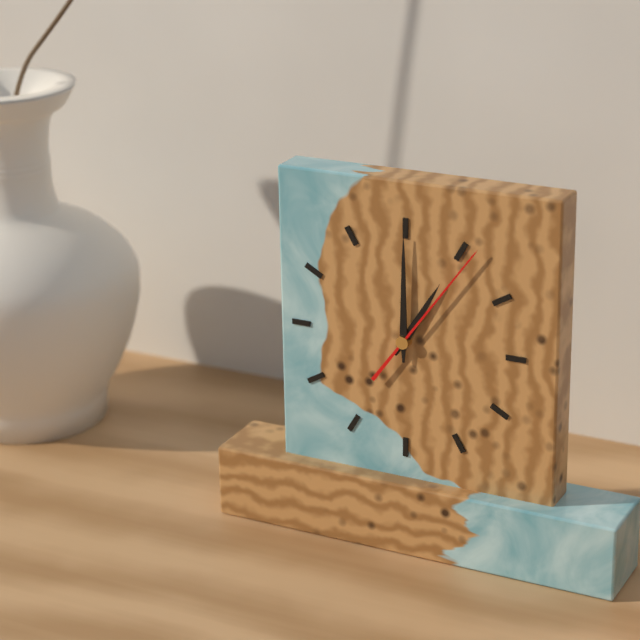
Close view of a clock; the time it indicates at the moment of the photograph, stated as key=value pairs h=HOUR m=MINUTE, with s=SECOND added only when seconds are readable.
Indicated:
h=1 m=0 s=6
